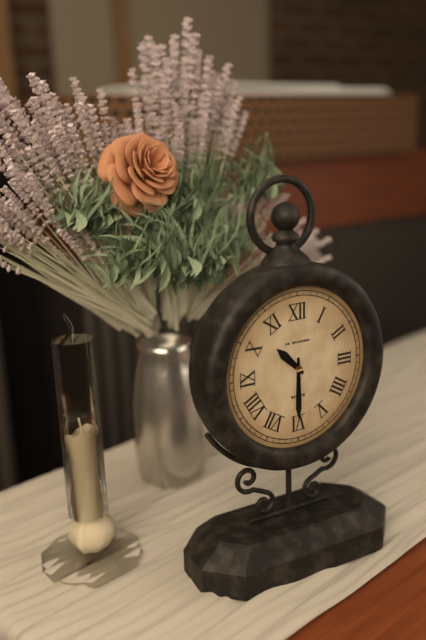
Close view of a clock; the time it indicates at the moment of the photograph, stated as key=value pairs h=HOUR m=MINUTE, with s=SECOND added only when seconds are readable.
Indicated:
h=10 m=30
